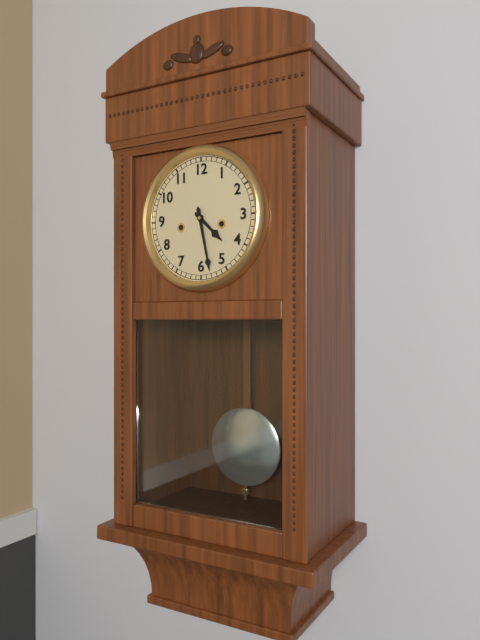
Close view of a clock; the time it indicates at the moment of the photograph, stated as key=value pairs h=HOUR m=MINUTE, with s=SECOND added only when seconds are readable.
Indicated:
h=4 m=28
